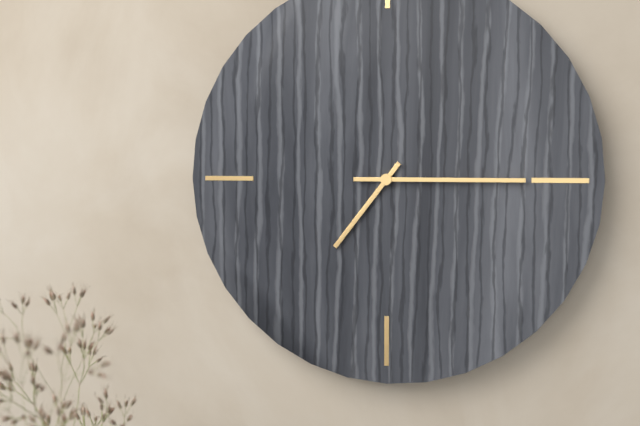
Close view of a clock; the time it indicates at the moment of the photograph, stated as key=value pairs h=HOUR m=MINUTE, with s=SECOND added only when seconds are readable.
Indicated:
h=7 m=15
